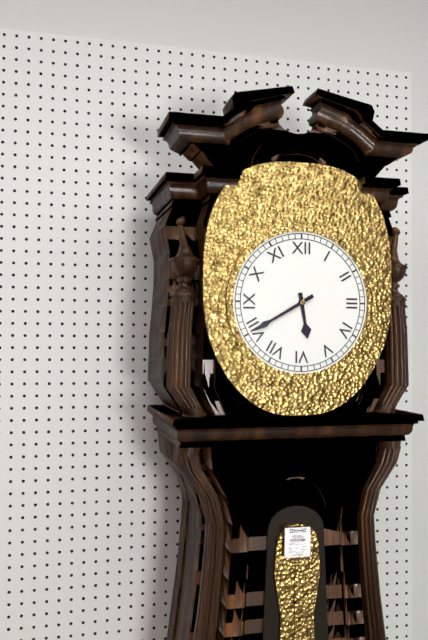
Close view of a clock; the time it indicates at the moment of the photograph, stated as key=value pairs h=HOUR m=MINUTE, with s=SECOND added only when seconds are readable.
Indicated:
h=5 m=40
